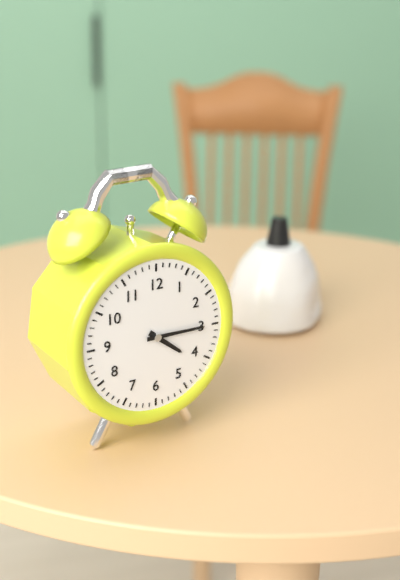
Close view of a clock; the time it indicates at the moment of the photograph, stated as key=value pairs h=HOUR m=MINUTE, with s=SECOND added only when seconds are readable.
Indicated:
h=4 m=15
